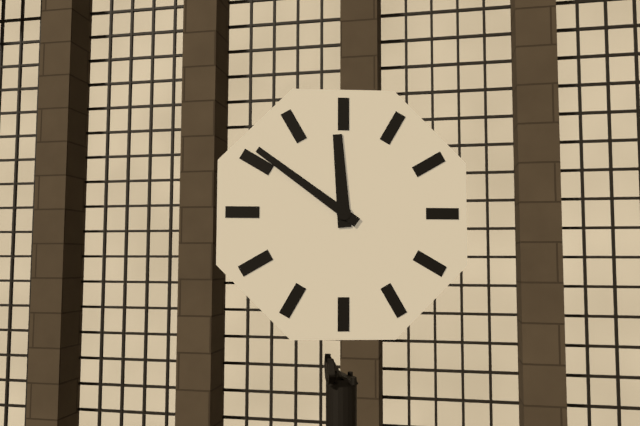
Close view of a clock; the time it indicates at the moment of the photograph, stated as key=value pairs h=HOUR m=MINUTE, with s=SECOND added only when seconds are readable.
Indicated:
h=11 m=51
